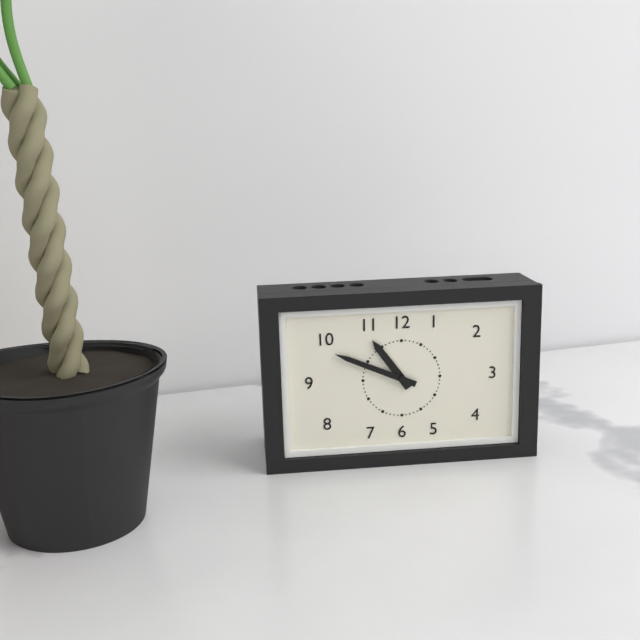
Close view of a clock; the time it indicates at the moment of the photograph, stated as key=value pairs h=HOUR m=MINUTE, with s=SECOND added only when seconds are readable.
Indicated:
h=10 m=49
